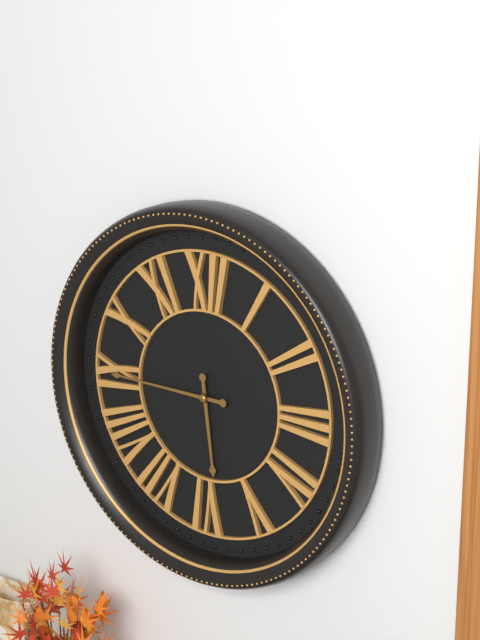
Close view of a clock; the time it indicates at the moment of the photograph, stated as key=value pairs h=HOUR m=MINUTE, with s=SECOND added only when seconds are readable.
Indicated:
h=5 m=45
